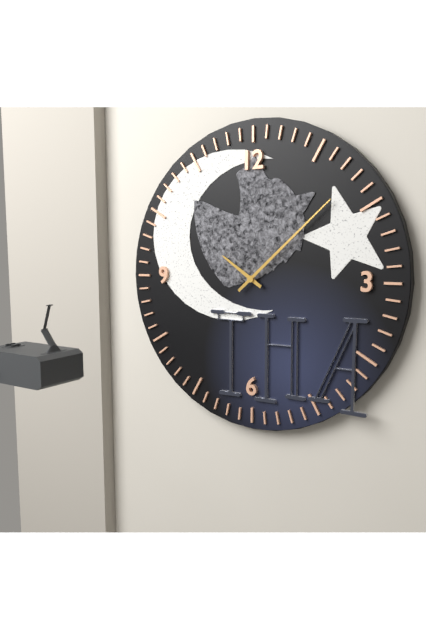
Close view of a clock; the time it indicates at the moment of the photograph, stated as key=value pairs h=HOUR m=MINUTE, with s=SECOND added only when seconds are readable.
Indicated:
h=10 m=8
